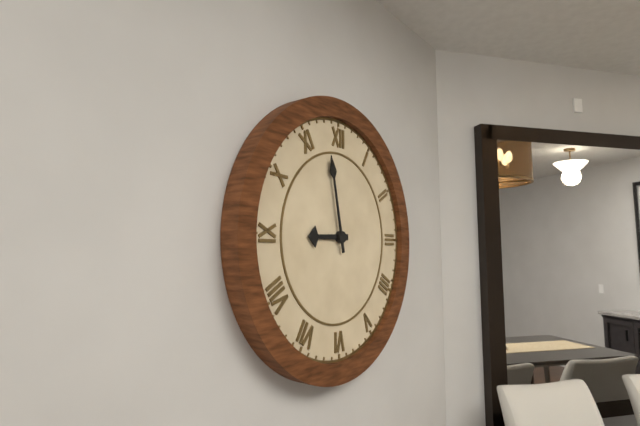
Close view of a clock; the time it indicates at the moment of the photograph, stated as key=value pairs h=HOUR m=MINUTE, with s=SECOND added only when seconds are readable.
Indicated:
h=8 m=58
